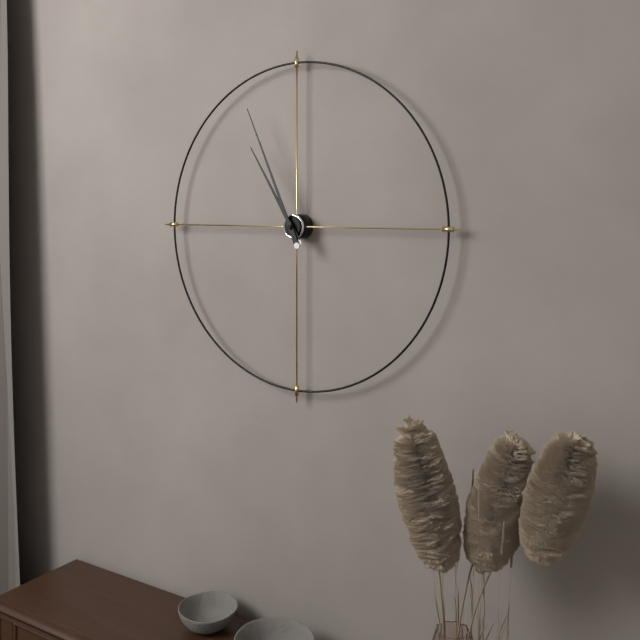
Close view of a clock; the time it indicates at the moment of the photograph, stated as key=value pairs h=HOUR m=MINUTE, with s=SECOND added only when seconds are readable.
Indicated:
h=10 m=56
